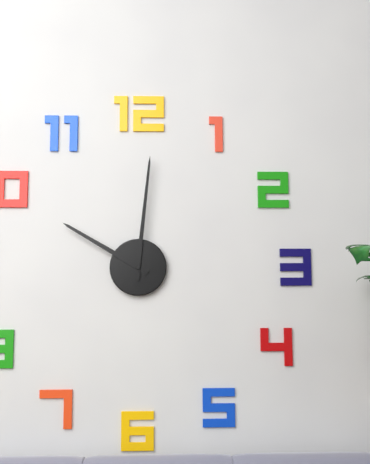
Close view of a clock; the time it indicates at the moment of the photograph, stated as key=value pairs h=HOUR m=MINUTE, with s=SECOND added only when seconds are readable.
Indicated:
h=10 m=1
